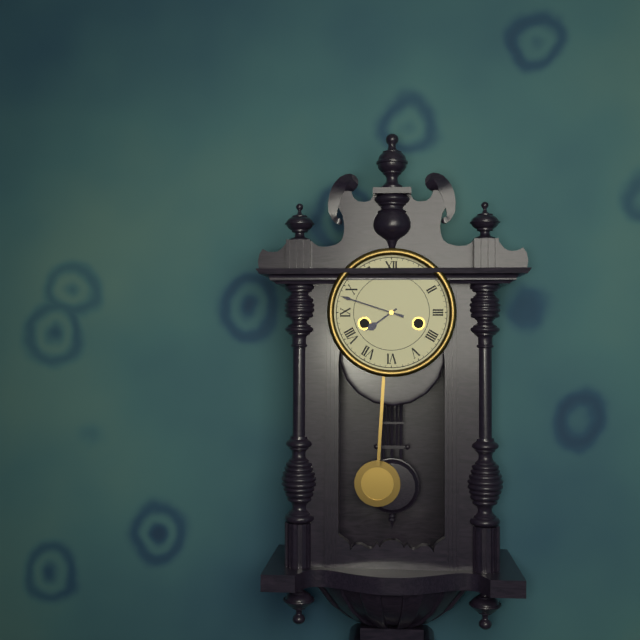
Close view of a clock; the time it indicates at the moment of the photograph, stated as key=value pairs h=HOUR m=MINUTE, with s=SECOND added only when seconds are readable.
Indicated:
h=7 m=48
